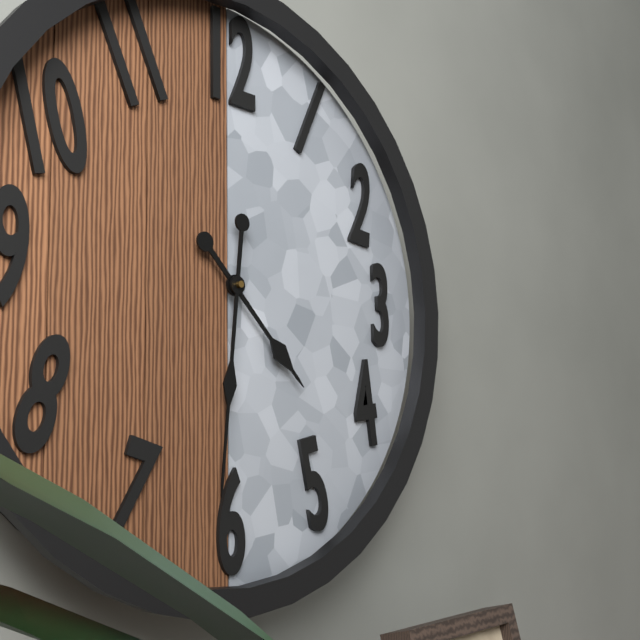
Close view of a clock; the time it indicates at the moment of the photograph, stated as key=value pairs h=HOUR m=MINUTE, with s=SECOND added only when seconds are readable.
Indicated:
h=4 m=31
